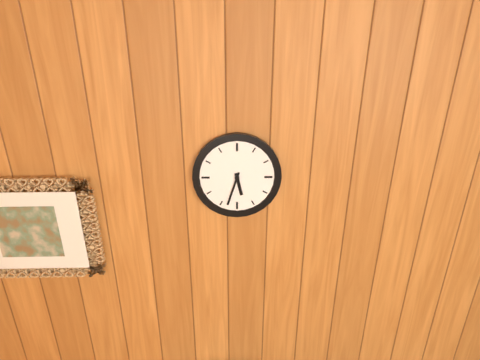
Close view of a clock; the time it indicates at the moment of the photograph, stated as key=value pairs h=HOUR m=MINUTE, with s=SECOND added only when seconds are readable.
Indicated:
h=5 m=33
